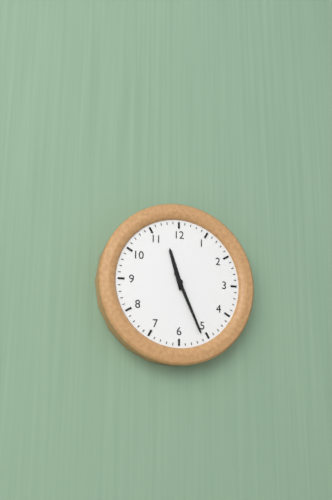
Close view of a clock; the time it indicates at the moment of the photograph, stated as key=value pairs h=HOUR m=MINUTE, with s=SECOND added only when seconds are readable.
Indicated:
h=11 m=26
